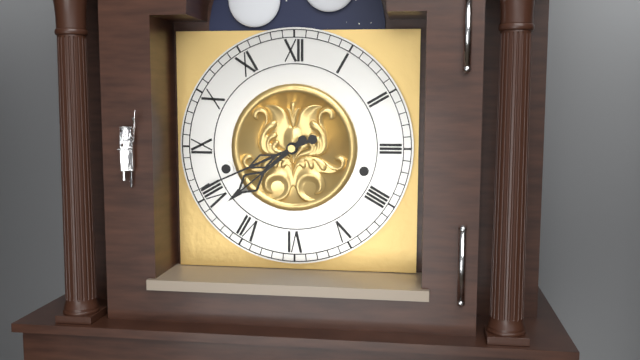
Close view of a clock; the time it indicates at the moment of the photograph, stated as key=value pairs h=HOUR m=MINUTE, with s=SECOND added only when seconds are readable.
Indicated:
h=7 m=41
